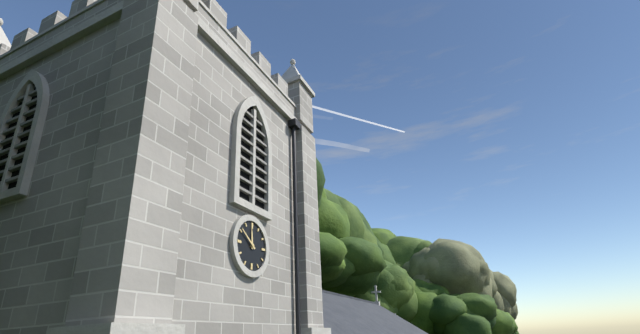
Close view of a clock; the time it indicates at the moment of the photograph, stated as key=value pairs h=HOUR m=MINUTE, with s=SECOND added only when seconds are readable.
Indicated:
h=11 m=51
